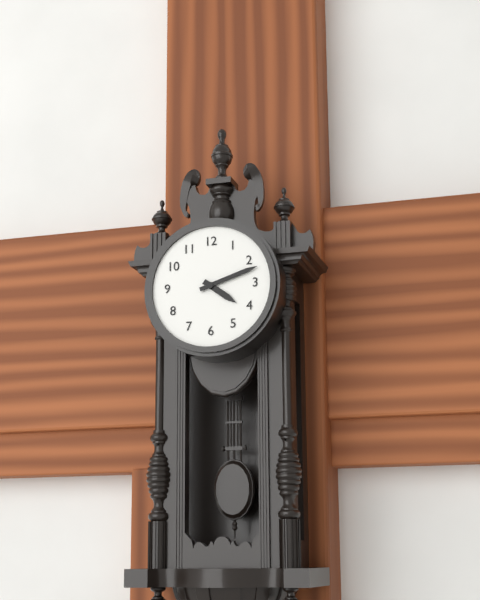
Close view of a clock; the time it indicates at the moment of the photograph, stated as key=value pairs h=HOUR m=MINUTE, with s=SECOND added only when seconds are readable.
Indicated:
h=4 m=12
